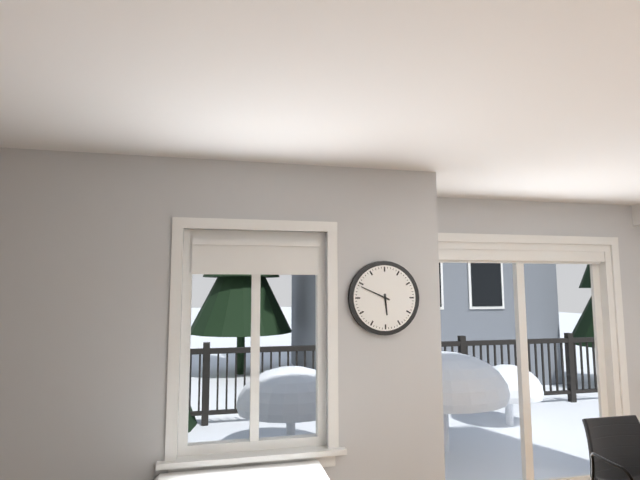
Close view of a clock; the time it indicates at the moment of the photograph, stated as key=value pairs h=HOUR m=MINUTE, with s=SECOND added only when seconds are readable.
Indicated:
h=5 m=49
